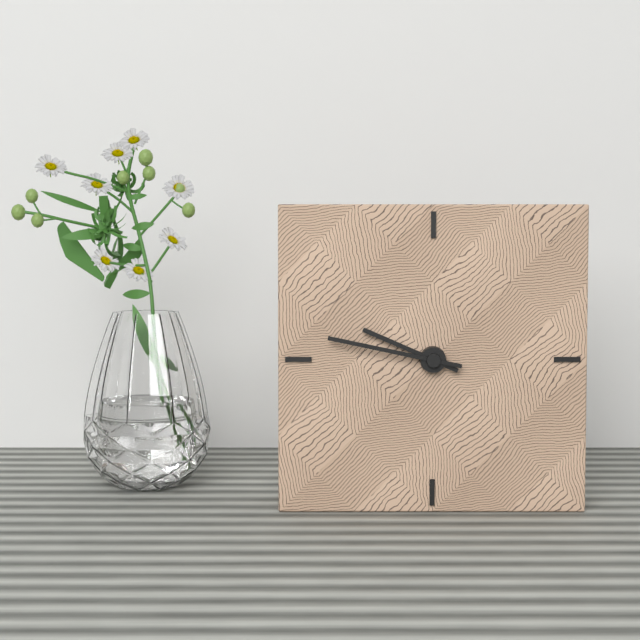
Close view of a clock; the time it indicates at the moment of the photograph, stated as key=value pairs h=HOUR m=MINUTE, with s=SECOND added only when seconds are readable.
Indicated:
h=9 m=47
